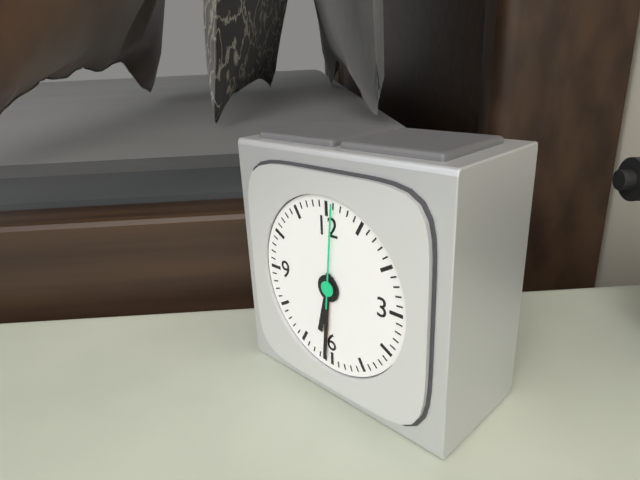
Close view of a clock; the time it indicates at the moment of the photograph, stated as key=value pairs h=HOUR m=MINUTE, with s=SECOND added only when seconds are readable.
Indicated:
h=6 m=31 s=1
